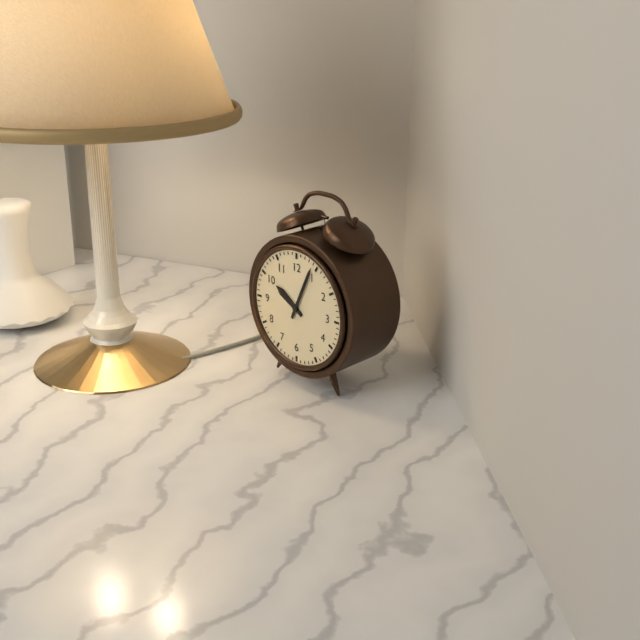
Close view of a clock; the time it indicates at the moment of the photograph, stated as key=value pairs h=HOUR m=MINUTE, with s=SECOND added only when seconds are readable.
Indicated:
h=10 m=4
